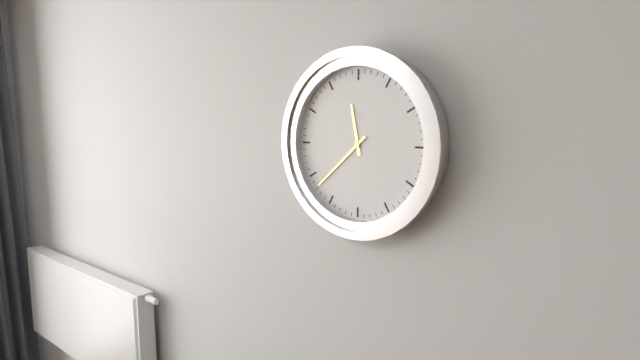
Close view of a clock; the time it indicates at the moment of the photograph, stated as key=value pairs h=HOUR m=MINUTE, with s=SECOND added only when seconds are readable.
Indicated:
h=11 m=38
